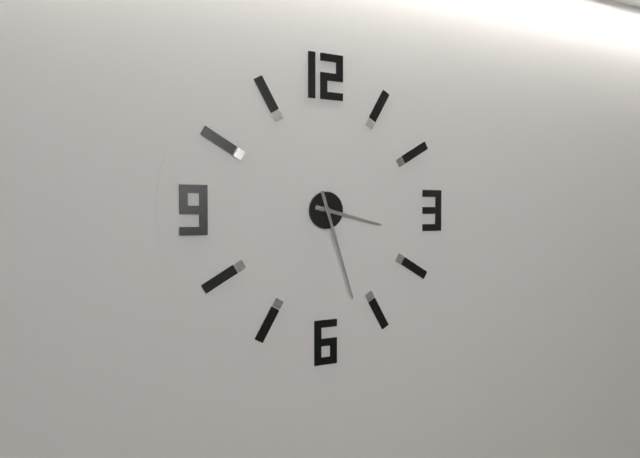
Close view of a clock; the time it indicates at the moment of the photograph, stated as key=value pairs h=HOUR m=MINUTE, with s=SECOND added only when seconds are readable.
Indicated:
h=3 m=27
